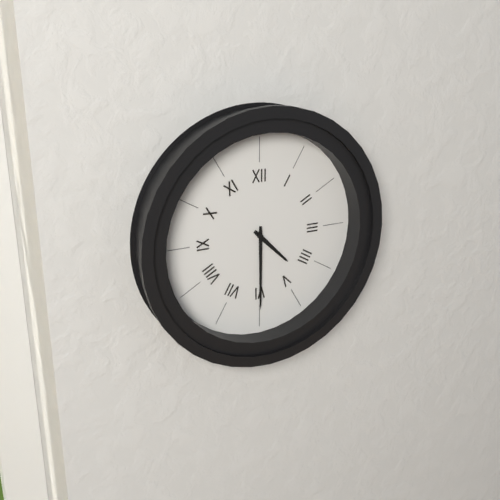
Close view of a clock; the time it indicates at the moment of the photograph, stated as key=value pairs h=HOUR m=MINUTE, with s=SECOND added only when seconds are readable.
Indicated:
h=4 m=30
